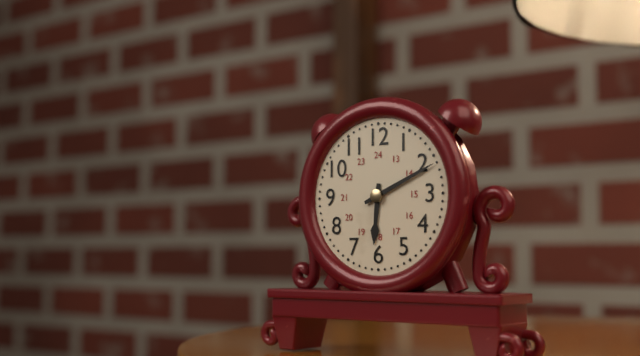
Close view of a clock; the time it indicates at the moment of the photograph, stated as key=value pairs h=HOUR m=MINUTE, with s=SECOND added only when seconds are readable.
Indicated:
h=6 m=11
